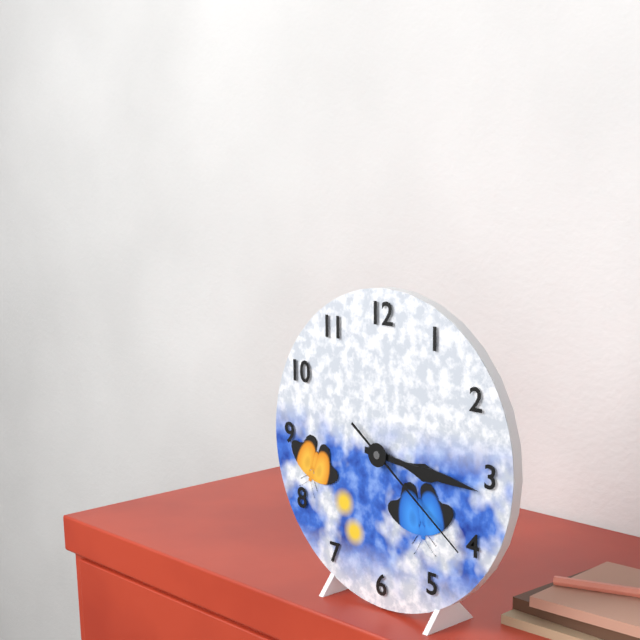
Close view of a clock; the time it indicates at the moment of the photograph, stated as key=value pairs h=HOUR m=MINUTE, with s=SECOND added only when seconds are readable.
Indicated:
h=3 m=16 s=21
